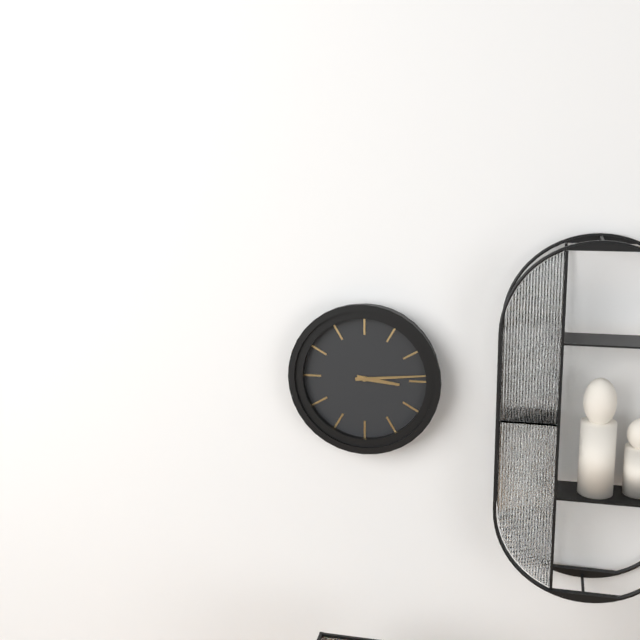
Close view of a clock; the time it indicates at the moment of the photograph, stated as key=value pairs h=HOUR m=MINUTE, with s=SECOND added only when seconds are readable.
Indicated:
h=3 m=14
